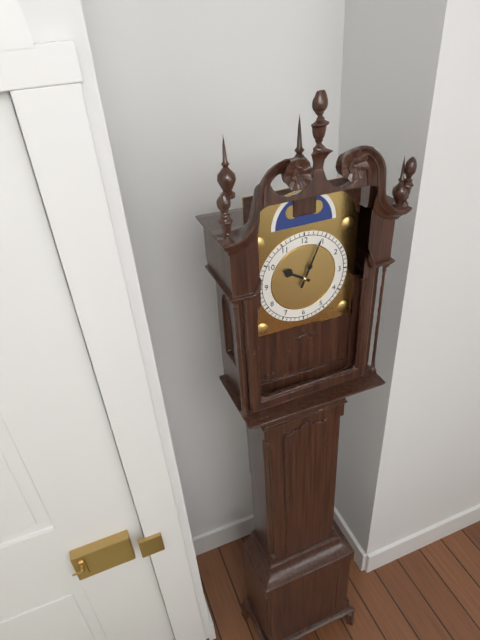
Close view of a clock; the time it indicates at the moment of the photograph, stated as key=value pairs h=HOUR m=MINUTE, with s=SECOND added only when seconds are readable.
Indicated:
h=10 m=4
